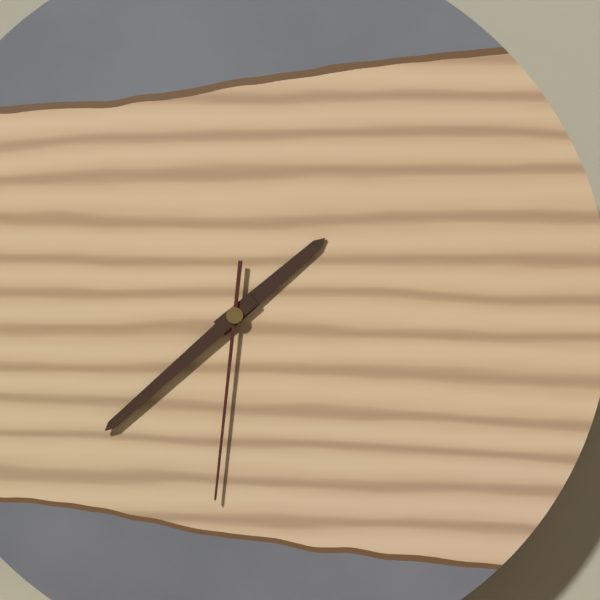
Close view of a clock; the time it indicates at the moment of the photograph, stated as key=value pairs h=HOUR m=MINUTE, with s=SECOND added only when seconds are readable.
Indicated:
h=1 m=38 s=31
